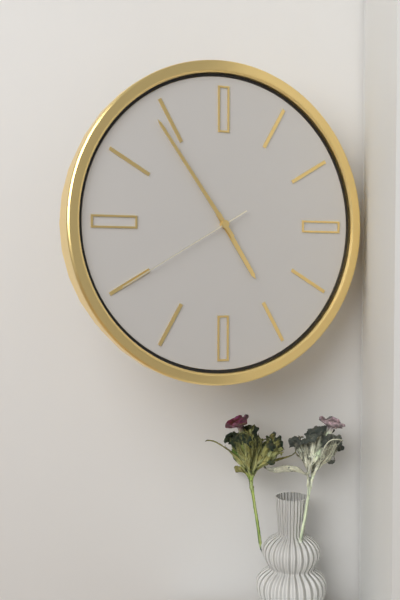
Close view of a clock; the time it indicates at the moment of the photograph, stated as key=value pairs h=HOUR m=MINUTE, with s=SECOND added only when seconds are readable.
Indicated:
h=4 m=54 s=40
